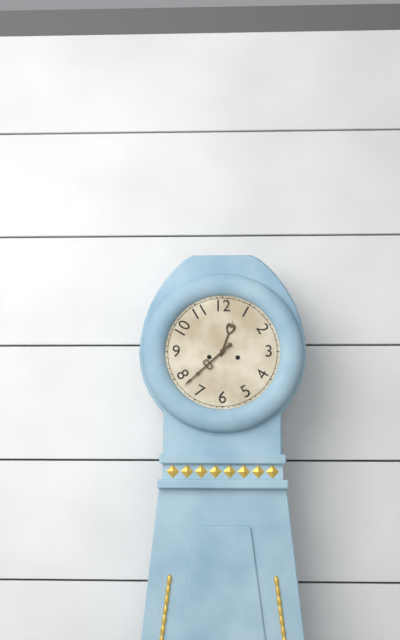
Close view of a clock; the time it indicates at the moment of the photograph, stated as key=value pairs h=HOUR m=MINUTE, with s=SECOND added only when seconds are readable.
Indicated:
h=12 m=38
